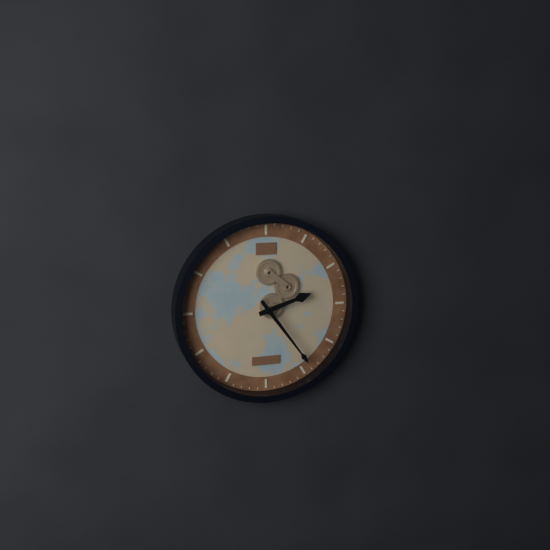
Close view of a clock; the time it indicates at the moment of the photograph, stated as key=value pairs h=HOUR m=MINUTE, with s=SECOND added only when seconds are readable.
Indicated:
h=2 m=24
